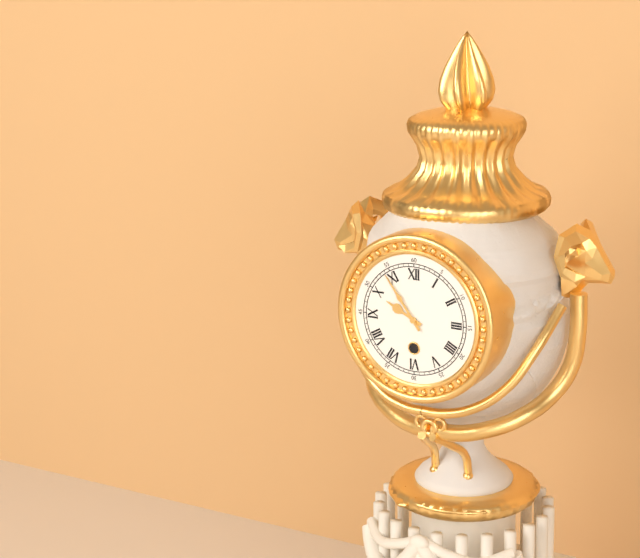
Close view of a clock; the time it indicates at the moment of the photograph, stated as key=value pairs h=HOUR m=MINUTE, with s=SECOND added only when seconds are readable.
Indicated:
h=9 m=54
